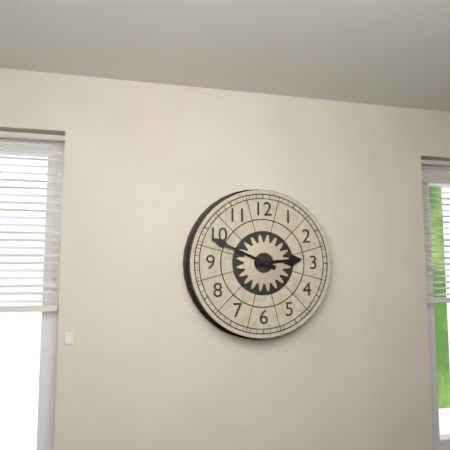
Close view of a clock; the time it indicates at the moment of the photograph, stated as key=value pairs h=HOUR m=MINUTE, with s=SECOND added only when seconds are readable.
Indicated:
h=2 m=49
